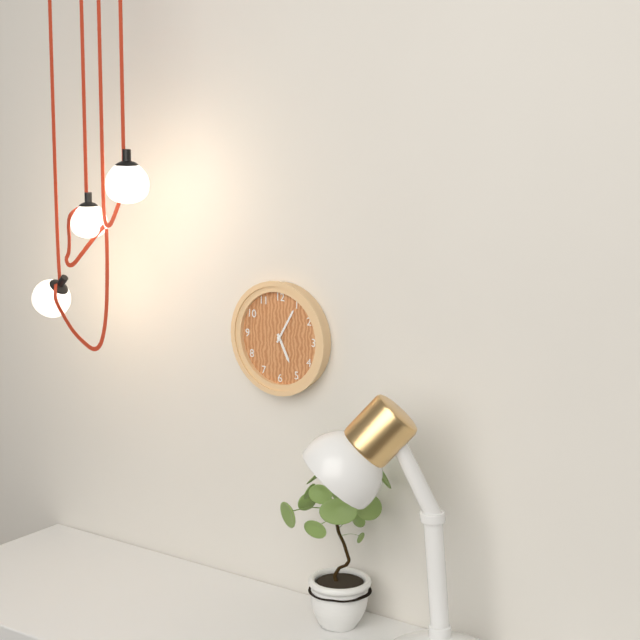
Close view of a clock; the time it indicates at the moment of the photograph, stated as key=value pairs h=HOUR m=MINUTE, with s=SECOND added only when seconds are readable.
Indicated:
h=5 m=5
